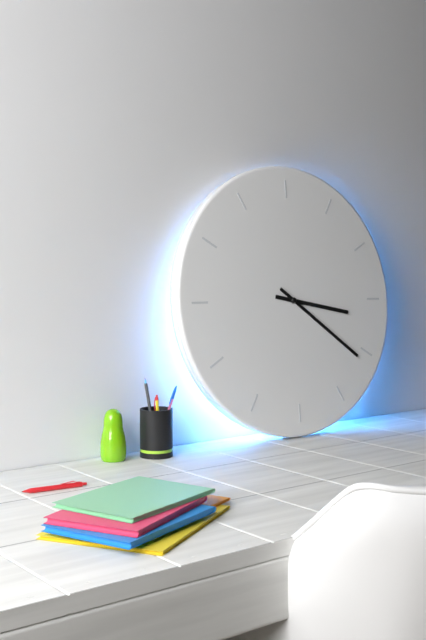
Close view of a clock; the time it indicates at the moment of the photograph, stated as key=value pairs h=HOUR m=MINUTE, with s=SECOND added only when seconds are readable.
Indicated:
h=3 m=21
